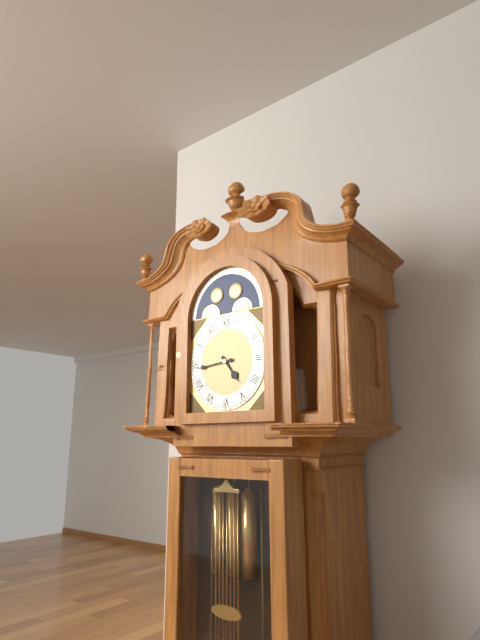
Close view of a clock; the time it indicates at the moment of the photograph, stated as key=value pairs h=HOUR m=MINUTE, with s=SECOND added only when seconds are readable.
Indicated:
h=4 m=44
